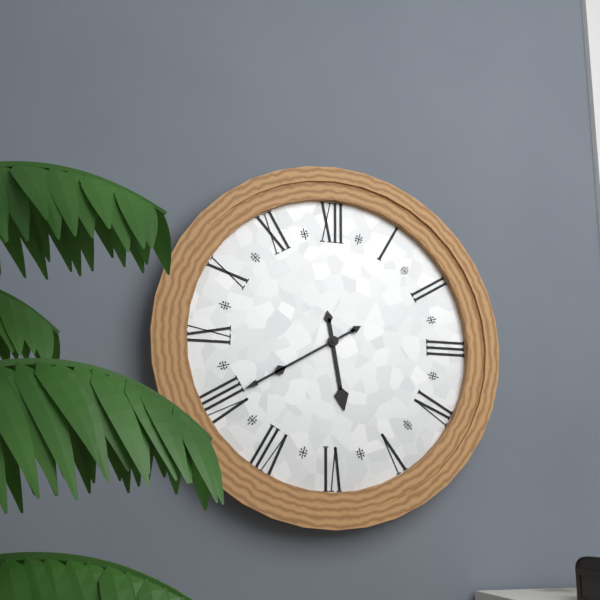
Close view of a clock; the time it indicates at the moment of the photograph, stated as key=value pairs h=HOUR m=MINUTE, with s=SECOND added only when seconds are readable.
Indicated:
h=5 m=40
